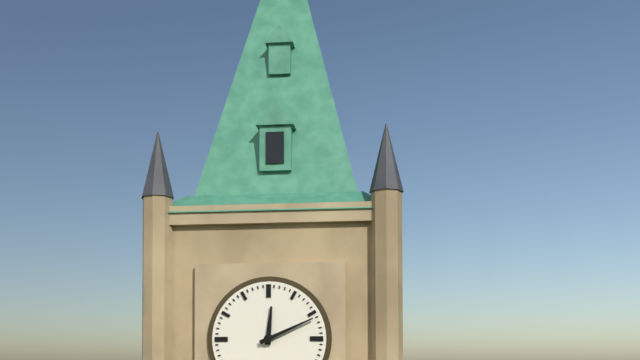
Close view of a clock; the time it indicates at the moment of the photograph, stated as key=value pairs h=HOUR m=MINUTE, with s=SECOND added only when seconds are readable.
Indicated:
h=12 m=11
